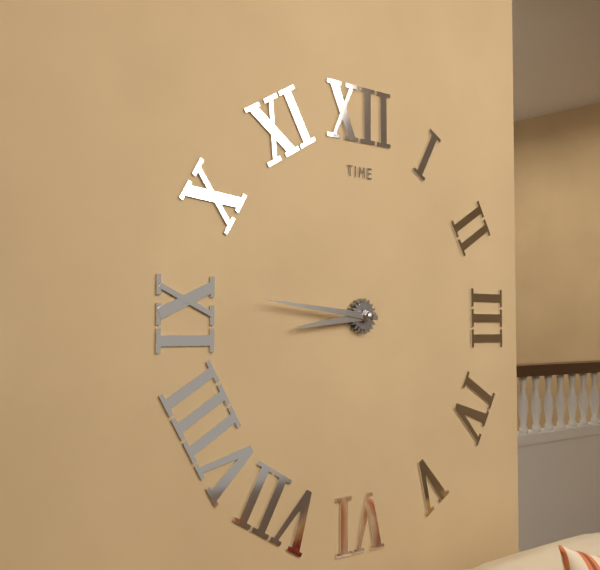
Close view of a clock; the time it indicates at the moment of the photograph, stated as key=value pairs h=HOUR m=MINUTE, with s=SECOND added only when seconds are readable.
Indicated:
h=8 m=46
